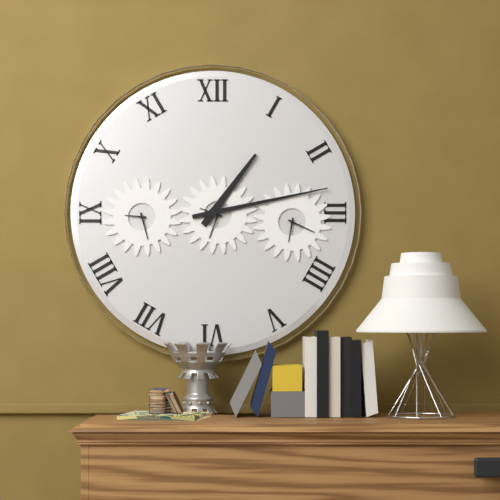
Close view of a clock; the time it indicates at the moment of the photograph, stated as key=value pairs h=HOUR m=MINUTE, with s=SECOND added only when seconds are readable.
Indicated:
h=1 m=13
